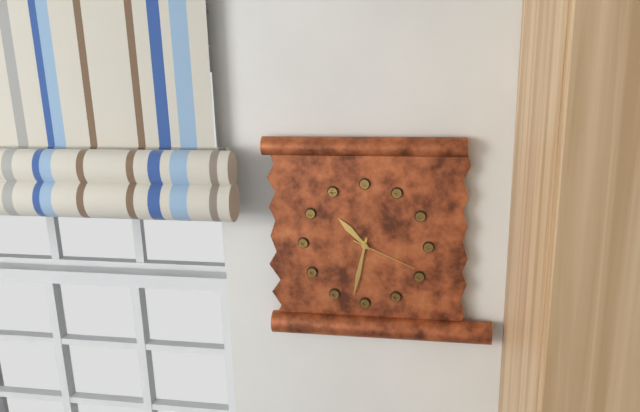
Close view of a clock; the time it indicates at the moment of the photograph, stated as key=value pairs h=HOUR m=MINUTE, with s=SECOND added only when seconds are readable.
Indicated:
h=10 m=32 s=19
